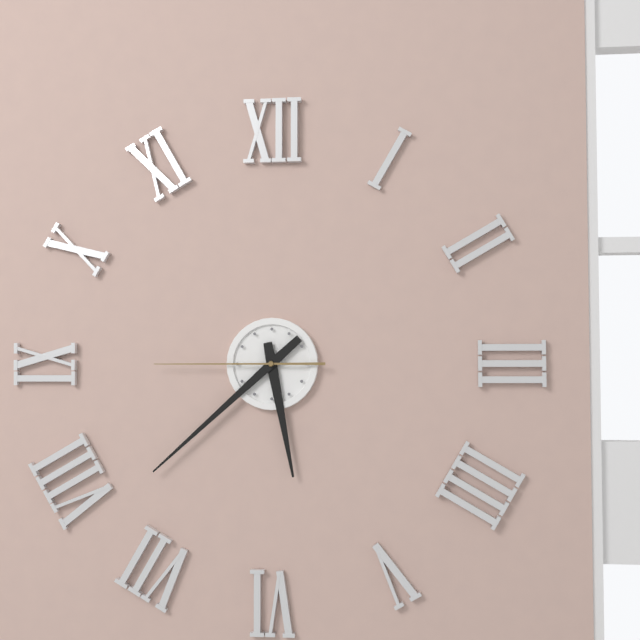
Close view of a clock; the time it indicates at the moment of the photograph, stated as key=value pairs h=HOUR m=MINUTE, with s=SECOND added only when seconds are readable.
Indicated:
h=5 m=38 s=45
